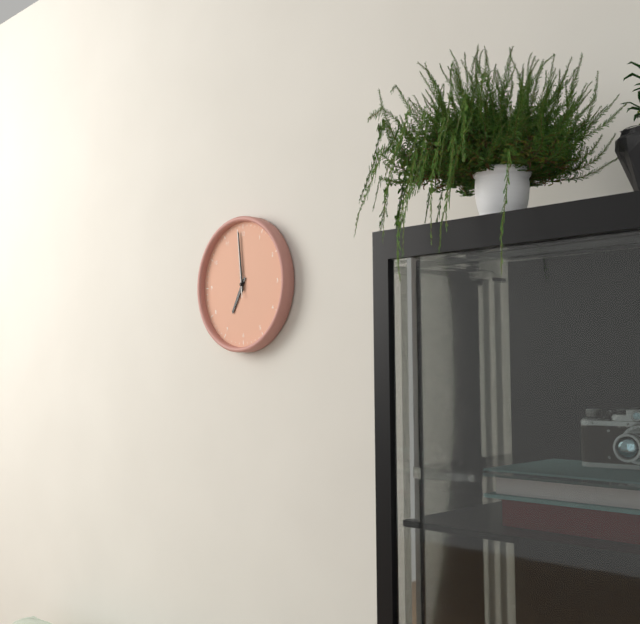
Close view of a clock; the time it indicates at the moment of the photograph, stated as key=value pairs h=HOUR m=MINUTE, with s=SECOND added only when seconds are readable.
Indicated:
h=6 m=59 s=59
